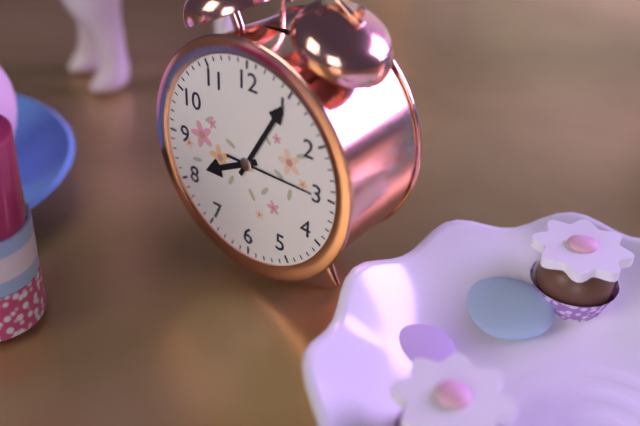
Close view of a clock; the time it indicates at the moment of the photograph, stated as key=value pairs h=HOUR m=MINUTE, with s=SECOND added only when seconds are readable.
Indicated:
h=8 m=5 s=15
